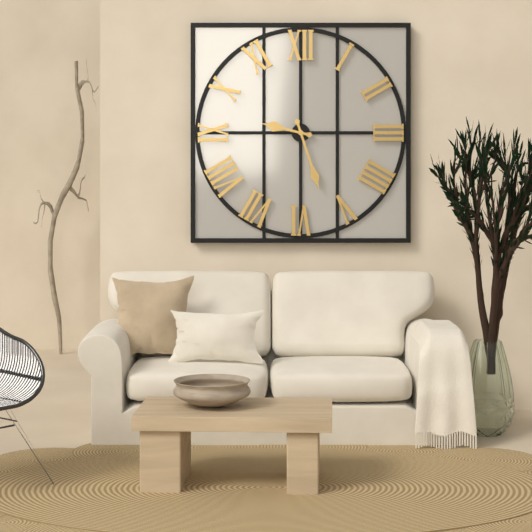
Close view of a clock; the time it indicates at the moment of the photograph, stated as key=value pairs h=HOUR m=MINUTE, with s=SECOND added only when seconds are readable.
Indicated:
h=9 m=27
